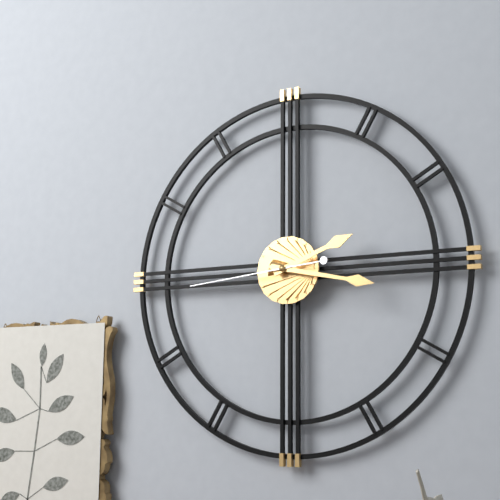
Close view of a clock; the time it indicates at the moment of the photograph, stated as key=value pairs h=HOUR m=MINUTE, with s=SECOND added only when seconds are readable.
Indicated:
h=2 m=17 s=44
